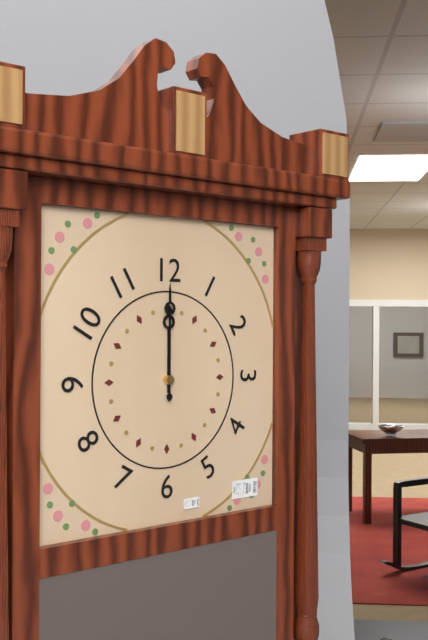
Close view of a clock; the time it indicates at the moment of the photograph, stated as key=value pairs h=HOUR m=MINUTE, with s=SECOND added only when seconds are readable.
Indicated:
h=12 m=0
